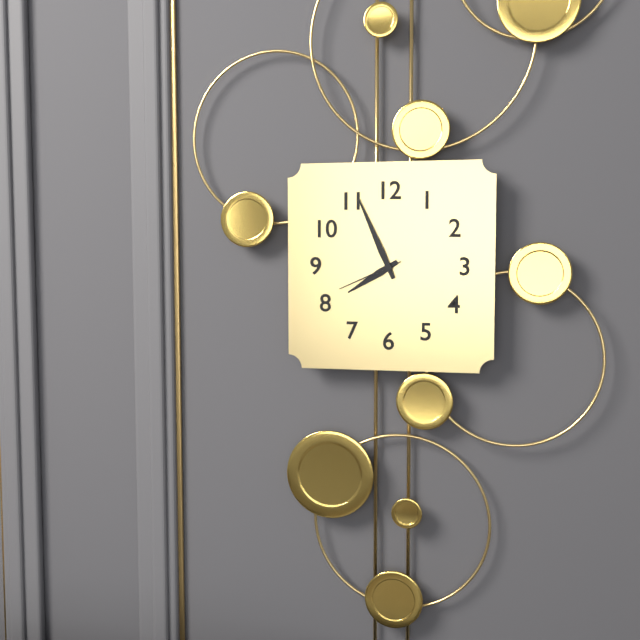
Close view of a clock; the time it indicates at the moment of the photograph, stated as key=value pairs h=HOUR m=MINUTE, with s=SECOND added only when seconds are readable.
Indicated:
h=7 m=56 s=41
